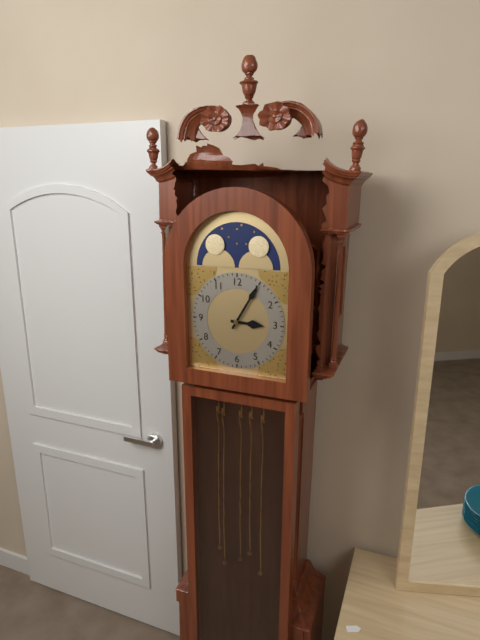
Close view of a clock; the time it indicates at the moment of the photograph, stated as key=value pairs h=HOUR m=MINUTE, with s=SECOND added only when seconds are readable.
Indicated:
h=3 m=5
